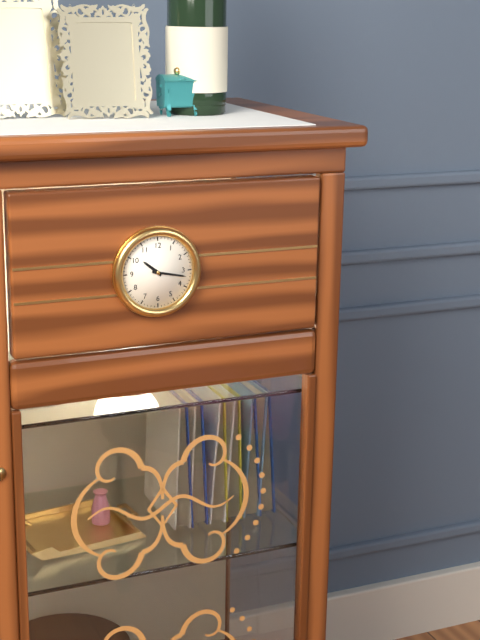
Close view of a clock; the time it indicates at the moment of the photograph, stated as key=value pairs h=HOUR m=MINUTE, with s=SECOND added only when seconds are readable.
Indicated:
h=10 m=17
